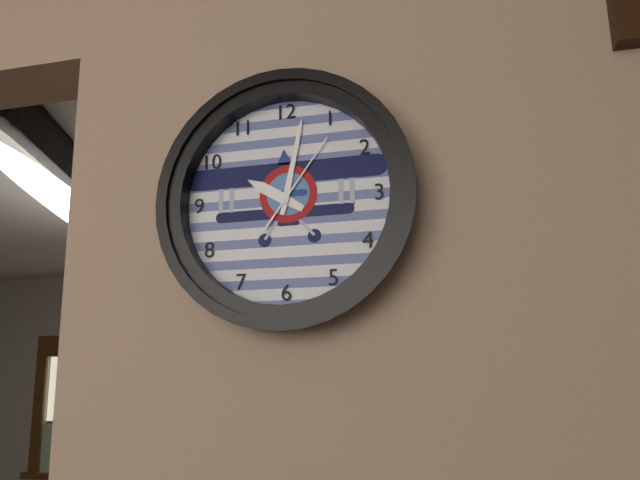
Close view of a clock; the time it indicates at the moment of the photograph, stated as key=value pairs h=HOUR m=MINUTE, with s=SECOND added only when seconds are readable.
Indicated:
h=10 m=2 s=6
